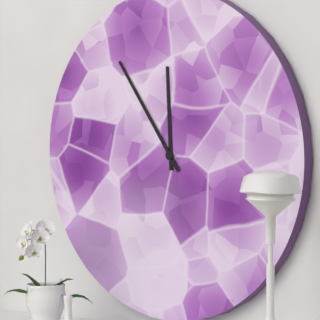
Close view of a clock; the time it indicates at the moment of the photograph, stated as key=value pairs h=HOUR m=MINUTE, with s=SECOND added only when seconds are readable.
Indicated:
h=11 m=54
